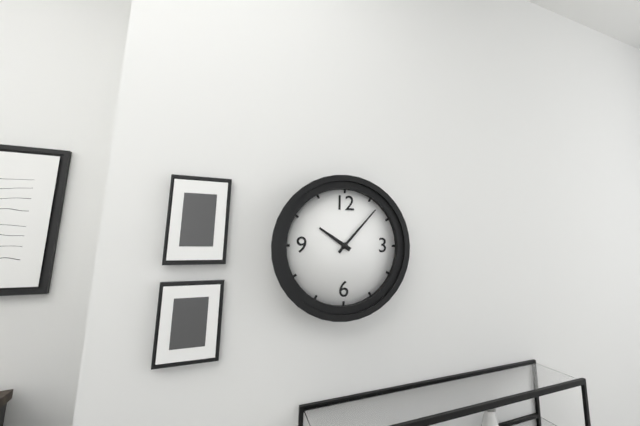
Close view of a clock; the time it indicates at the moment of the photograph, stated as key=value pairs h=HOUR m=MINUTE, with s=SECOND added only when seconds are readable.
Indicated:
h=10 m=7
